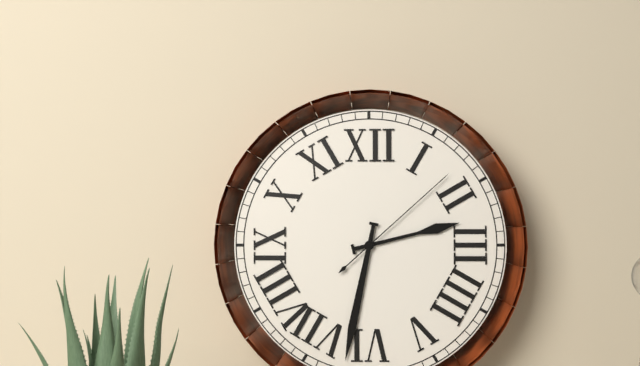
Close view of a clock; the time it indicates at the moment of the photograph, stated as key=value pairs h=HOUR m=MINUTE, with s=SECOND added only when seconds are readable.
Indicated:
h=2 m=32 s=8
